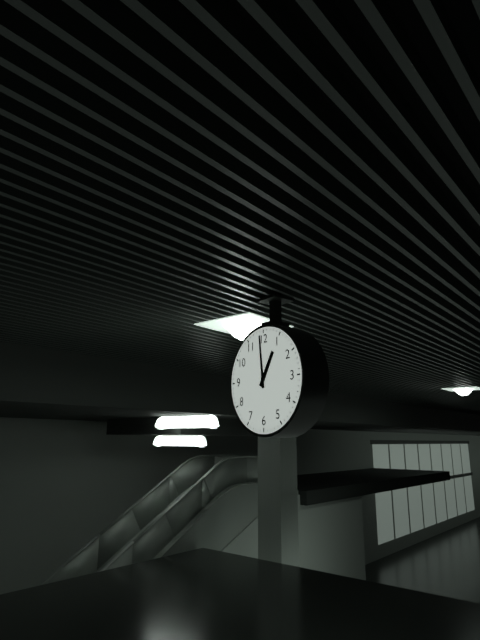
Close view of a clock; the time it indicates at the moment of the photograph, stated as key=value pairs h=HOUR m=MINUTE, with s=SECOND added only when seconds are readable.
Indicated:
h=12 m=59
